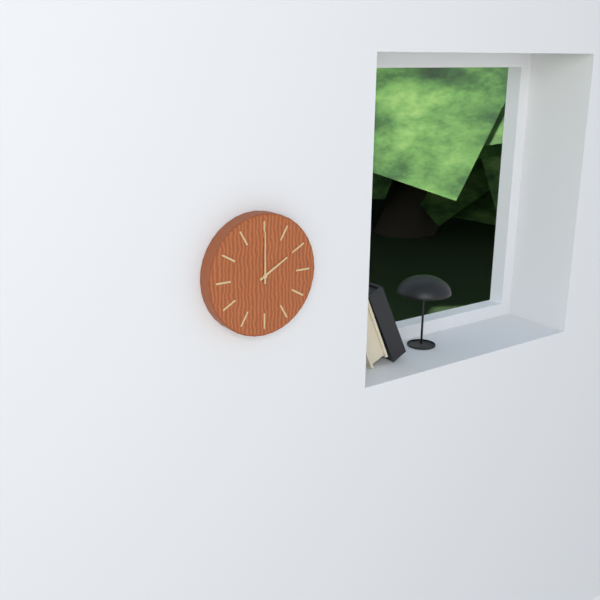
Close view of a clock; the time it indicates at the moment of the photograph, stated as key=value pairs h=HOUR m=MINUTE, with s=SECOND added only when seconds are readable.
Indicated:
h=2 m=0
